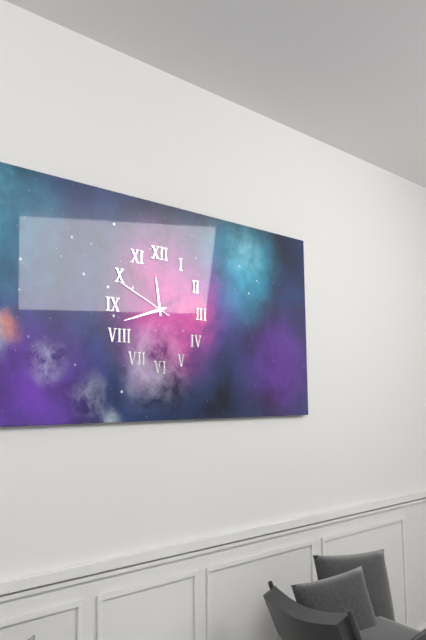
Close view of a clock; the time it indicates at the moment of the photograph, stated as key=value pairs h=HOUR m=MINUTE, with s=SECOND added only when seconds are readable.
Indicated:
h=11 m=42 s=49
